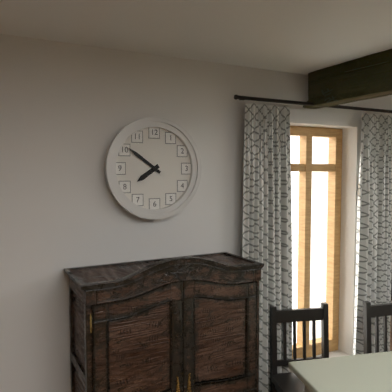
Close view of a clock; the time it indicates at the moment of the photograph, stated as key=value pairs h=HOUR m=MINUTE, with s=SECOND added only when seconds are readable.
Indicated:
h=7 m=51
